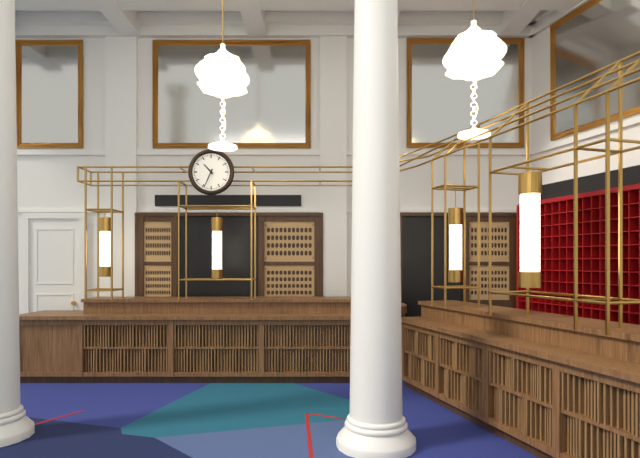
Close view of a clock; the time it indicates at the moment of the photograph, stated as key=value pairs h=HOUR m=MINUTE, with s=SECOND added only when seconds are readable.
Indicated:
h=10 m=34
